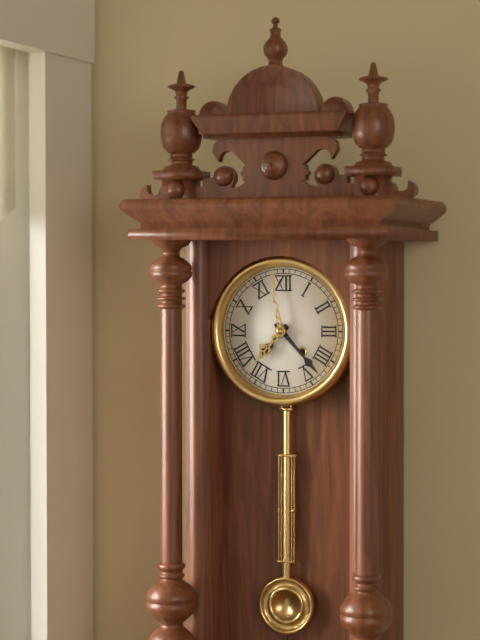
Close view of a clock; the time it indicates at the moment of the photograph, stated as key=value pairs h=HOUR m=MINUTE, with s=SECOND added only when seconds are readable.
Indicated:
h=7 m=23
